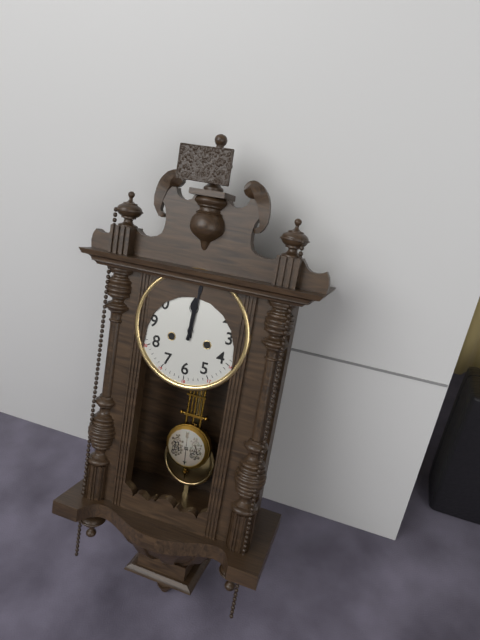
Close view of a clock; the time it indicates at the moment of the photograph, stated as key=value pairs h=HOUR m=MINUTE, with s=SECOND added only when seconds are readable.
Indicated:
h=12 m=1
